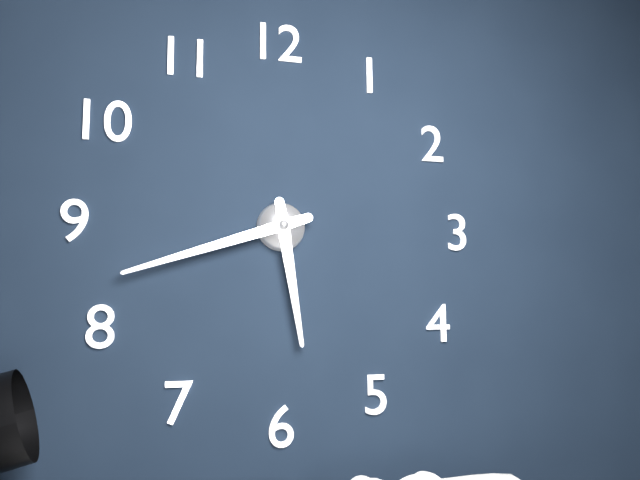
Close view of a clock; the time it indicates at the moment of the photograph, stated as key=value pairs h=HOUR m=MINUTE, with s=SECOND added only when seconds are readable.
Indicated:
h=5 m=42
